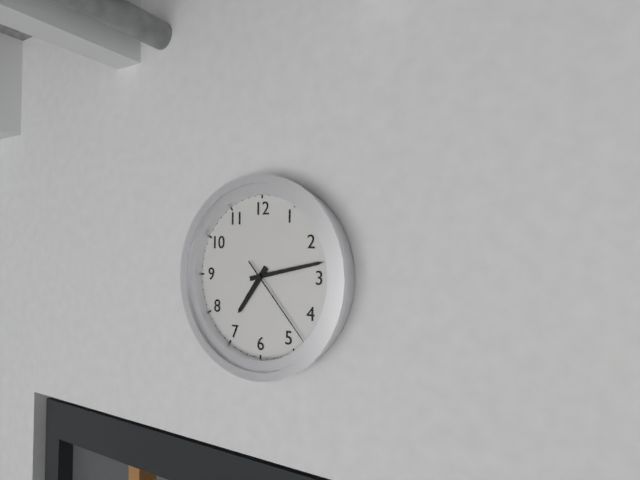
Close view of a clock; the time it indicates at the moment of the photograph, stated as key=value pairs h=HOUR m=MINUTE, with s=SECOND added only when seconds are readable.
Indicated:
h=7 m=13 s=23
